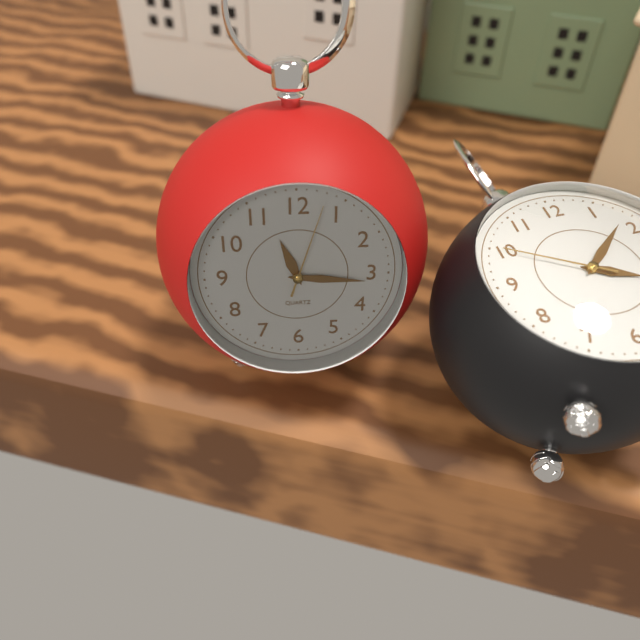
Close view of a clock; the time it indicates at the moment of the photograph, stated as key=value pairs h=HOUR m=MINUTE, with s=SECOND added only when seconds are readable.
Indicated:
h=11 m=16 s=3
